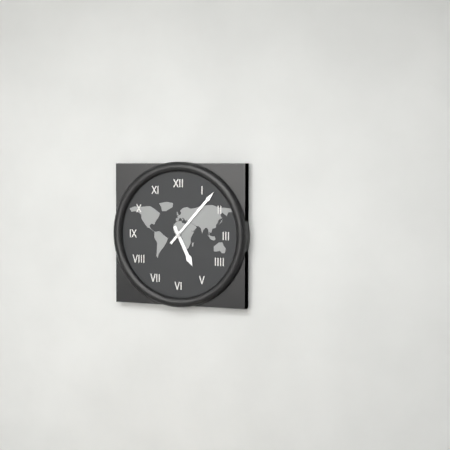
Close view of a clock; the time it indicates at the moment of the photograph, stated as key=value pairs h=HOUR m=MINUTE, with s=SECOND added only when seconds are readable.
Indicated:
h=5 m=7
